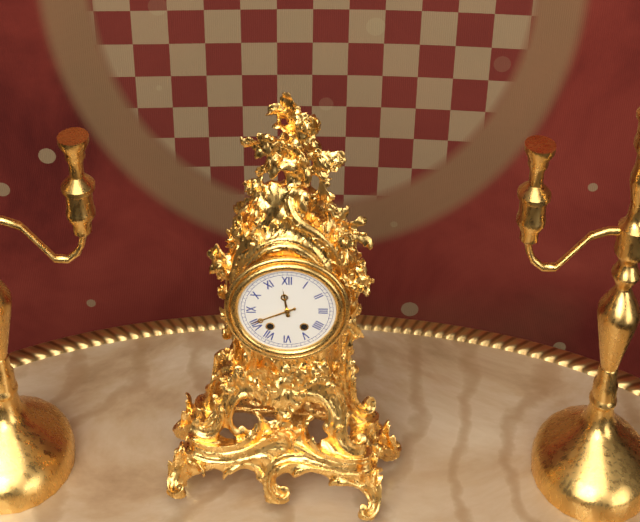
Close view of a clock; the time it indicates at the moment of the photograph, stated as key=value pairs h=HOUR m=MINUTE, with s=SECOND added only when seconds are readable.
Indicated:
h=11 m=41
